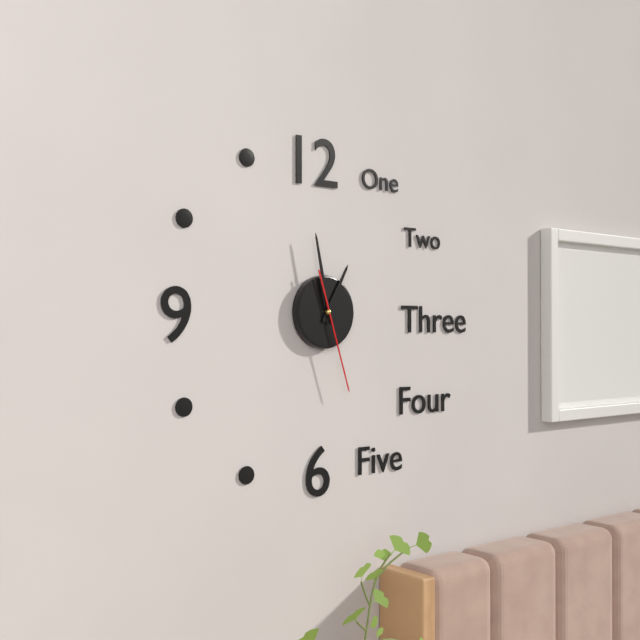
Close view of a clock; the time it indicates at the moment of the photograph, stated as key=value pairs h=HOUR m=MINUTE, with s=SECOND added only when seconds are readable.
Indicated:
h=12 m=58 s=27
